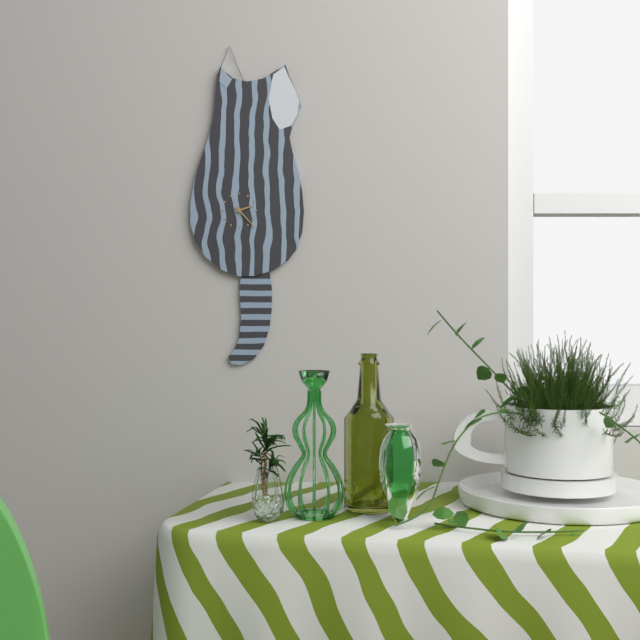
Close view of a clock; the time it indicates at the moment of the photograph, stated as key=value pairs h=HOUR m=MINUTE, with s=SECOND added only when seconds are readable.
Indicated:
h=2 m=23
